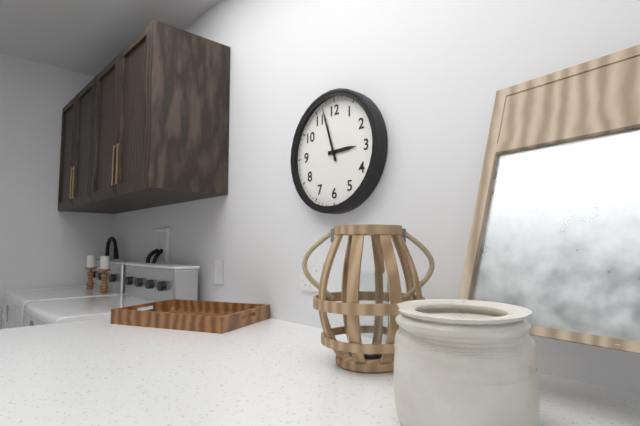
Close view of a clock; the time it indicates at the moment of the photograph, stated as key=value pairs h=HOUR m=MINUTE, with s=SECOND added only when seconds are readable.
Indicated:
h=2 m=57
